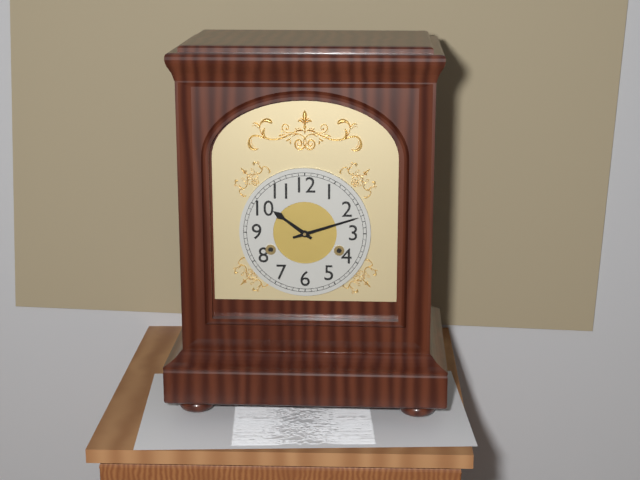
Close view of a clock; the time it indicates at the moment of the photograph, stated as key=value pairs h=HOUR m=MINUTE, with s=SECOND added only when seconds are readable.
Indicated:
h=10 m=12
